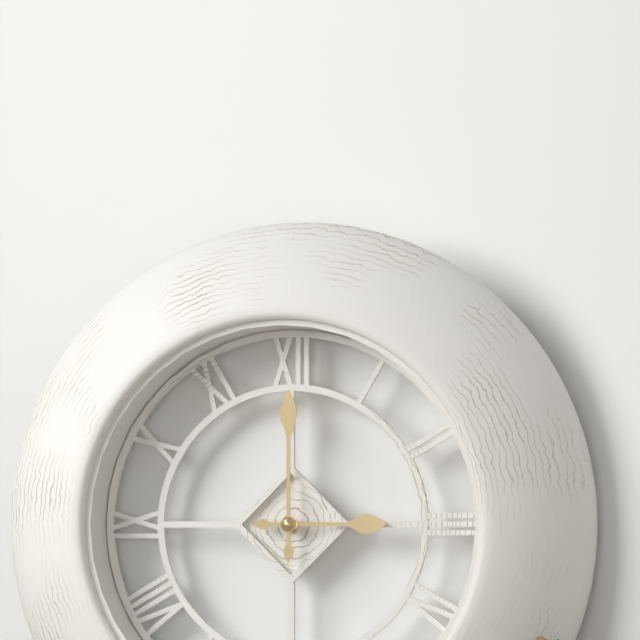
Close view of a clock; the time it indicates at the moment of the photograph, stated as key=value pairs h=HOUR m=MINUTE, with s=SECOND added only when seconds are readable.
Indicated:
h=3 m=0
